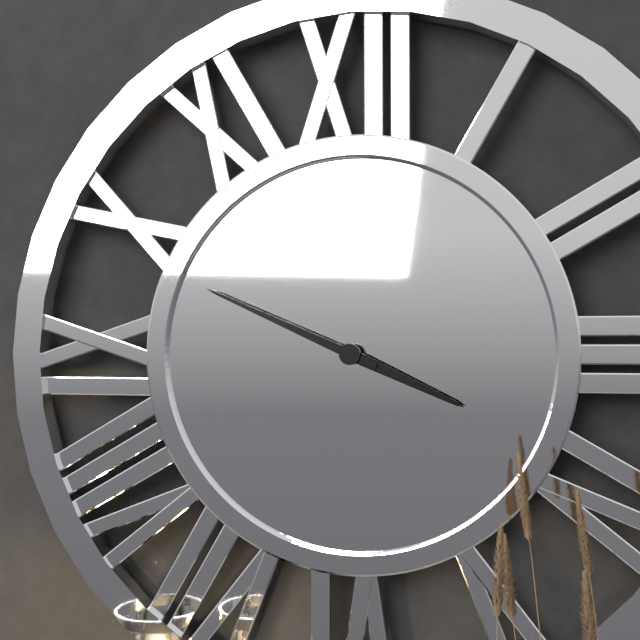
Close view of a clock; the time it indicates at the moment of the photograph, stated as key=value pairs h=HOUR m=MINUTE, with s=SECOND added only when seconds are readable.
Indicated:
h=3 m=49
